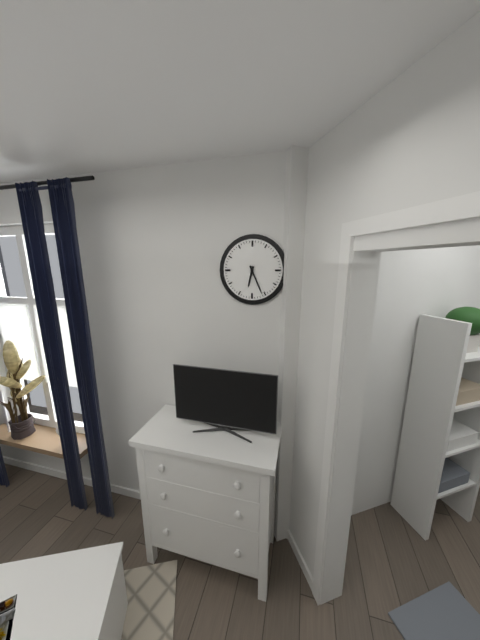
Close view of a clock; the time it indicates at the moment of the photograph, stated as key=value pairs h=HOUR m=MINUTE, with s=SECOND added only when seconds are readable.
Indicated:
h=6 m=26
